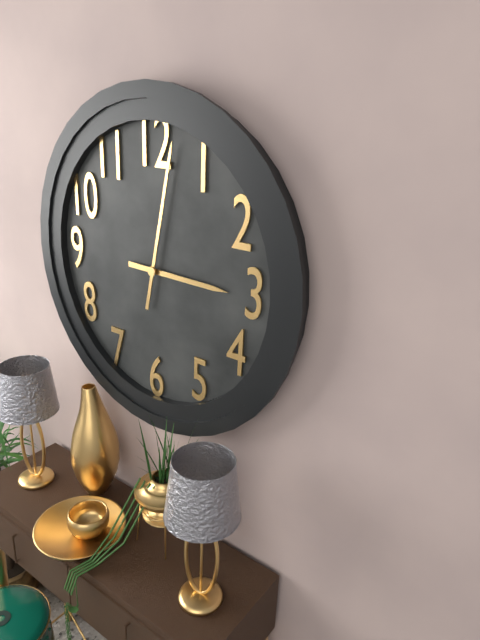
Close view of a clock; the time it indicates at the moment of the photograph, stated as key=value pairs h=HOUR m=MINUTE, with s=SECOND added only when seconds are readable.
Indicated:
h=3 m=2
